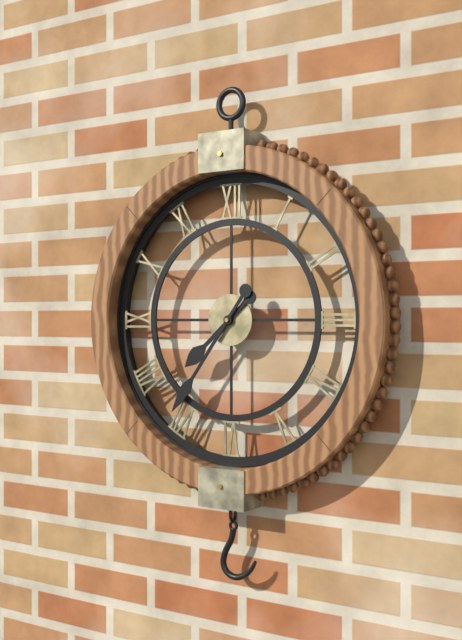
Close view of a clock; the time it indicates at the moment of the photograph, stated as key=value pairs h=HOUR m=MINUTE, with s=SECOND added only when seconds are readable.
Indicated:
h=7 m=36
